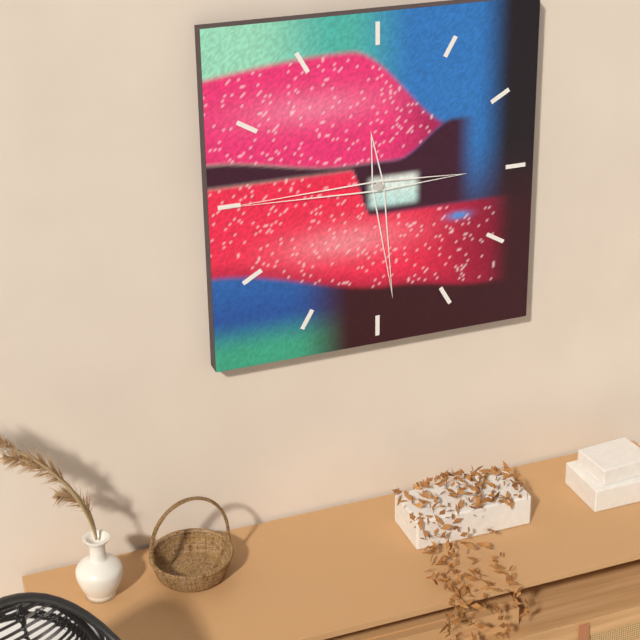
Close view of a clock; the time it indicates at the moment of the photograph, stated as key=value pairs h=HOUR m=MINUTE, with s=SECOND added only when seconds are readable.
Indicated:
h=5 m=45
